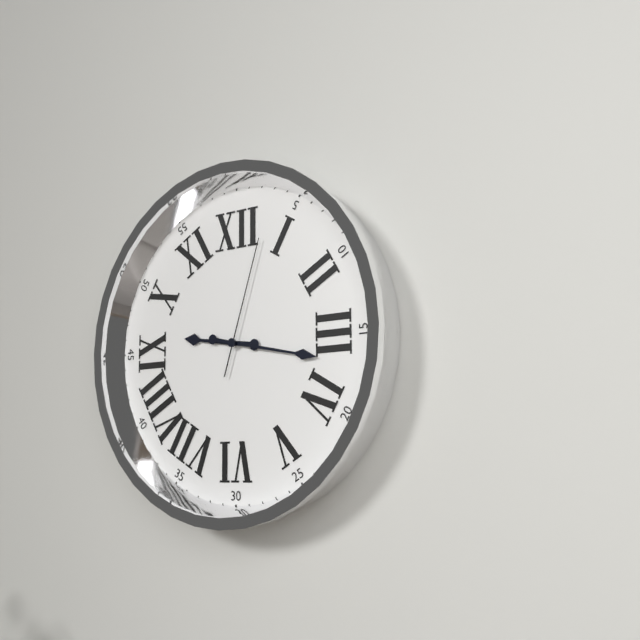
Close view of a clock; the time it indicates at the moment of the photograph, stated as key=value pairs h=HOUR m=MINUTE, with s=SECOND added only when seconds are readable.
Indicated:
h=9 m=17 s=3
